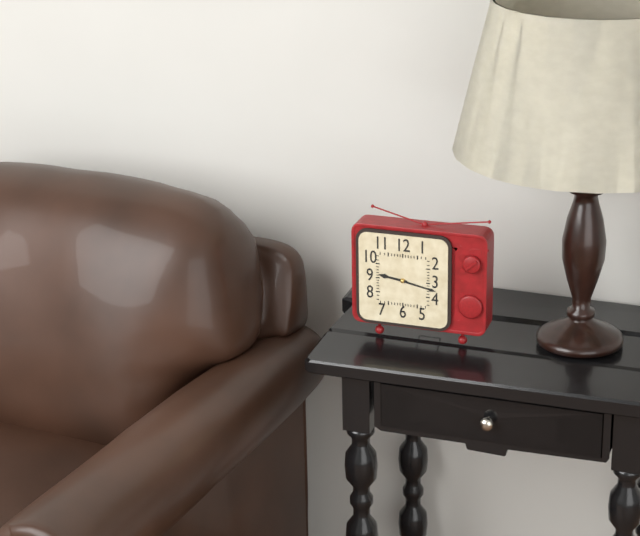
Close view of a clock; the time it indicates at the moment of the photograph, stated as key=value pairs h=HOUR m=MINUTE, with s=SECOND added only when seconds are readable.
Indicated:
h=9 m=17
